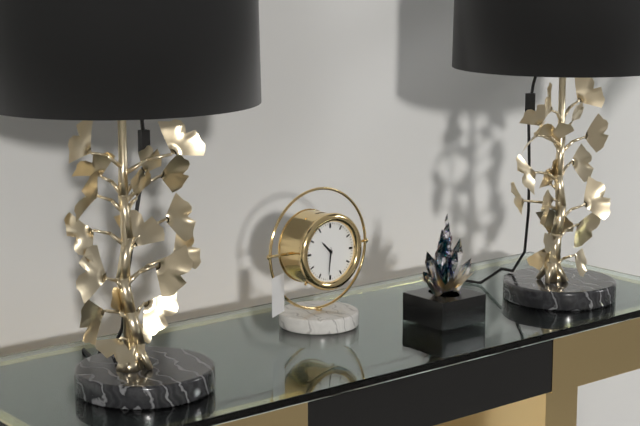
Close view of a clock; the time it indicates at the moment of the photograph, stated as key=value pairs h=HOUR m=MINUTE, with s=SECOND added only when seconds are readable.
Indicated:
h=10 m=31
